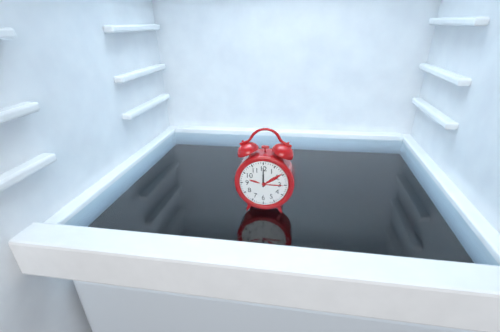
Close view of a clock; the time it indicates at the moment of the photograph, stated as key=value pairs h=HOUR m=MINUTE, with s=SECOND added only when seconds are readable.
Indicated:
h=12 m=0
